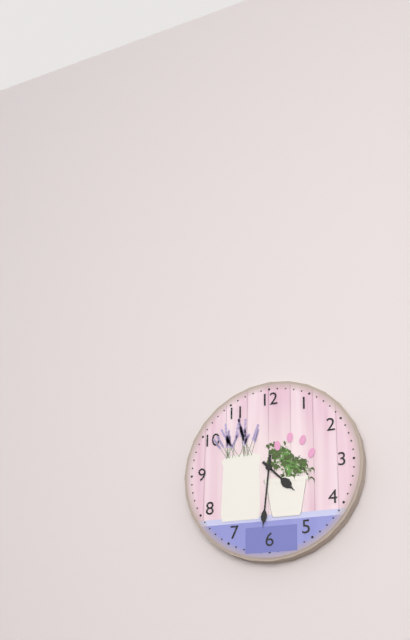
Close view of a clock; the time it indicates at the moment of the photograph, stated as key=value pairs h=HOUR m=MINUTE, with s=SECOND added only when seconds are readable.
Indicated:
h=4 m=31
